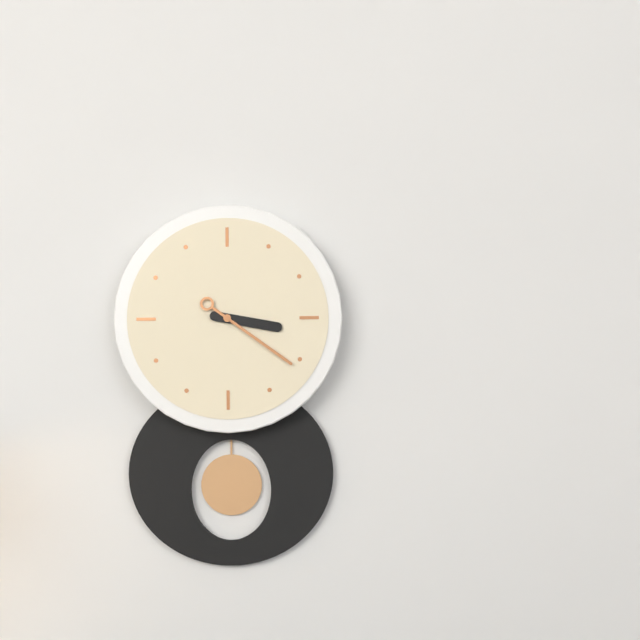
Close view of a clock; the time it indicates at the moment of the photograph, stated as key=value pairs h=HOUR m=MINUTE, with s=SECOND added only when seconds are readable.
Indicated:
h=3 m=21
